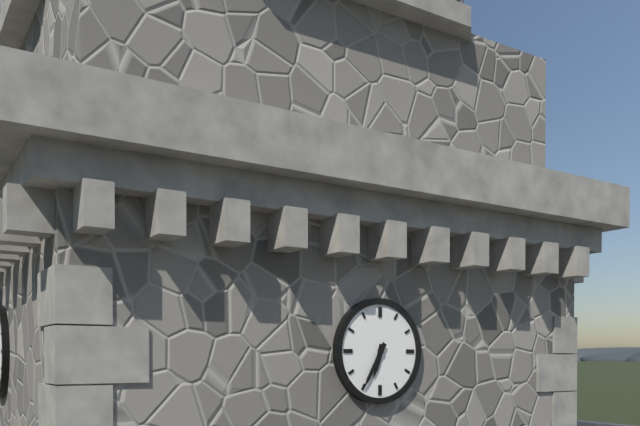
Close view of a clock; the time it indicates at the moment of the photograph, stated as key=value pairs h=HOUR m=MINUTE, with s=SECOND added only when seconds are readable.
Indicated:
h=6 m=35
